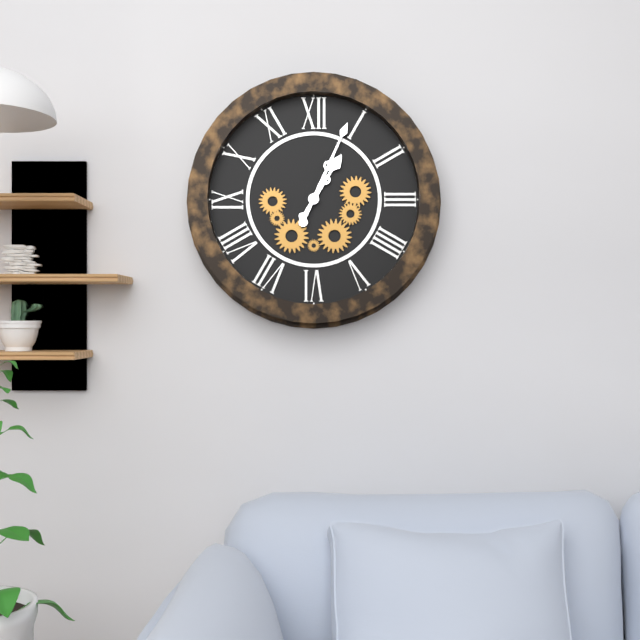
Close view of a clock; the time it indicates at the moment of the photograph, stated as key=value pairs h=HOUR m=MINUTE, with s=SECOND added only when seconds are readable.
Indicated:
h=1 m=4
